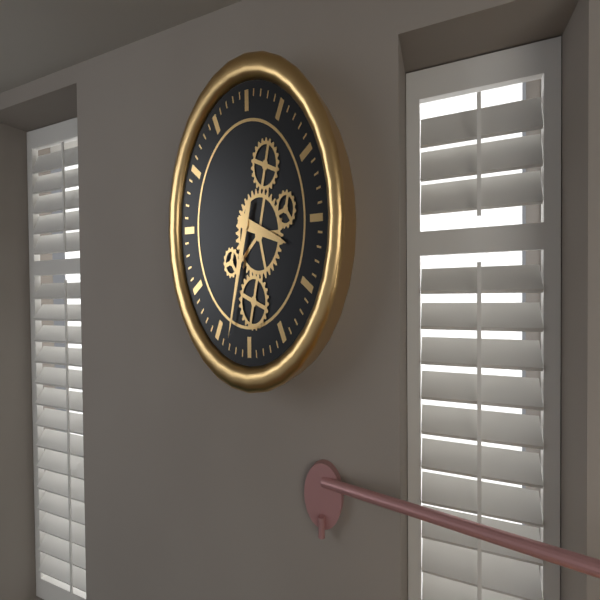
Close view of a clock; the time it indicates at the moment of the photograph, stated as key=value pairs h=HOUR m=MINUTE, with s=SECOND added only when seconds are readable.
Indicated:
h=3 m=33
